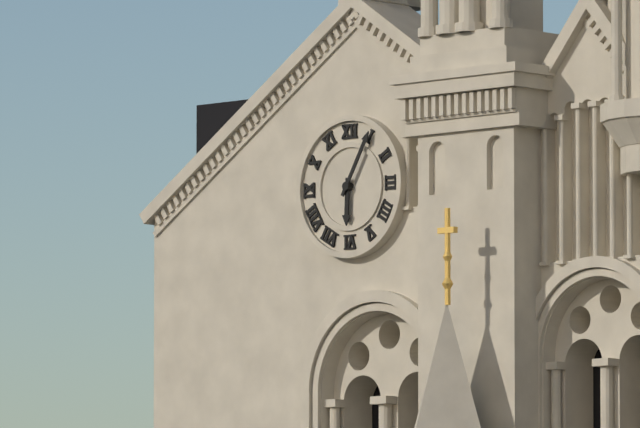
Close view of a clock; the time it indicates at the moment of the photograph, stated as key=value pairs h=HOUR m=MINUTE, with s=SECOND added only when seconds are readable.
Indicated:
h=6 m=5
